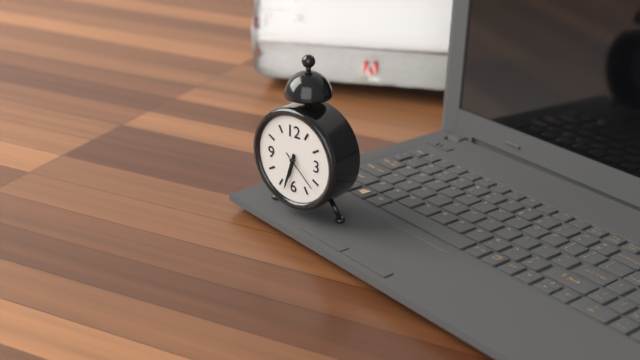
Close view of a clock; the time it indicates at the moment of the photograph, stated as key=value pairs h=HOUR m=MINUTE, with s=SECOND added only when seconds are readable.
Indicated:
h=6 m=33
